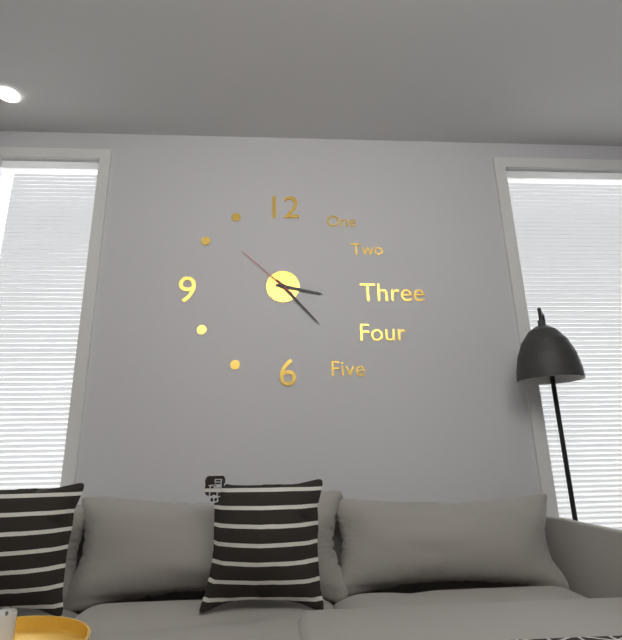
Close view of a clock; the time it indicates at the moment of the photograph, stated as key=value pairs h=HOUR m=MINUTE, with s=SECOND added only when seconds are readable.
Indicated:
h=3 m=23 s=52
